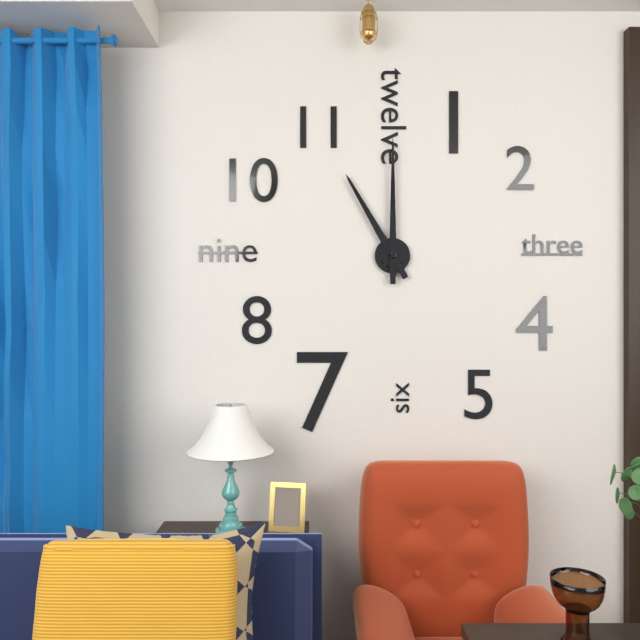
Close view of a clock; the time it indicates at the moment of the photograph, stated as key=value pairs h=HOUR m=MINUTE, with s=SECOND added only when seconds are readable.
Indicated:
h=11 m=0
